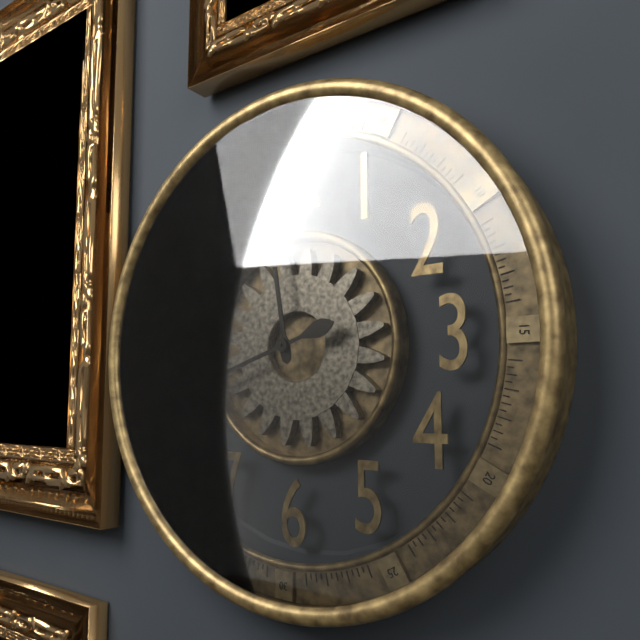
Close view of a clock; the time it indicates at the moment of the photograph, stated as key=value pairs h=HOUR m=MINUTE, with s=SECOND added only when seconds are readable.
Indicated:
h=11 m=42
